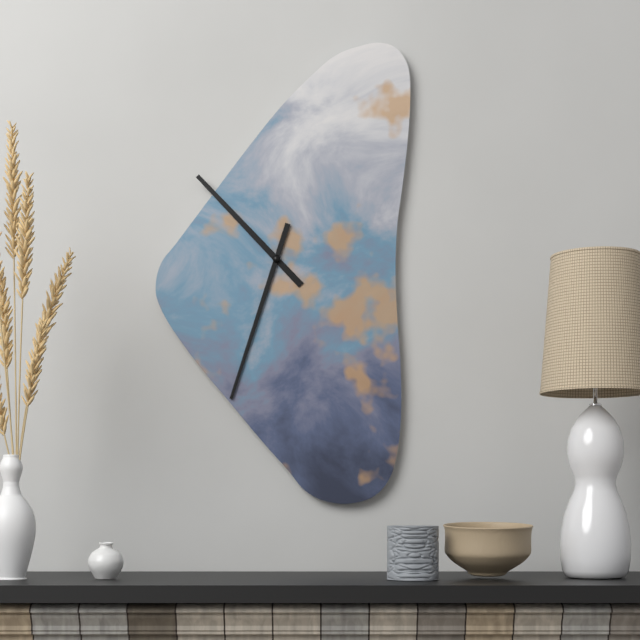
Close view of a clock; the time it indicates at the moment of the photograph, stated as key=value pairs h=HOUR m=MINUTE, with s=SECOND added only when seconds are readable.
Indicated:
h=10 m=33
